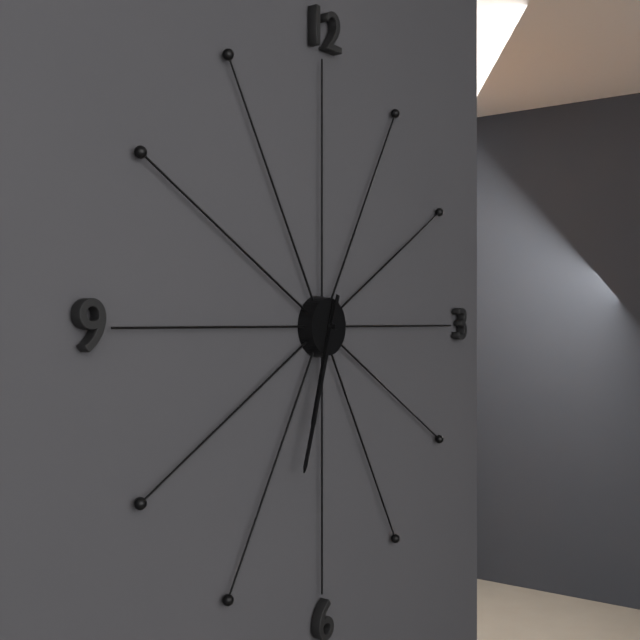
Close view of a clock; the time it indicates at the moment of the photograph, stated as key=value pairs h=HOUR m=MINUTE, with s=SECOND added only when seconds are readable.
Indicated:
h=6 m=33
